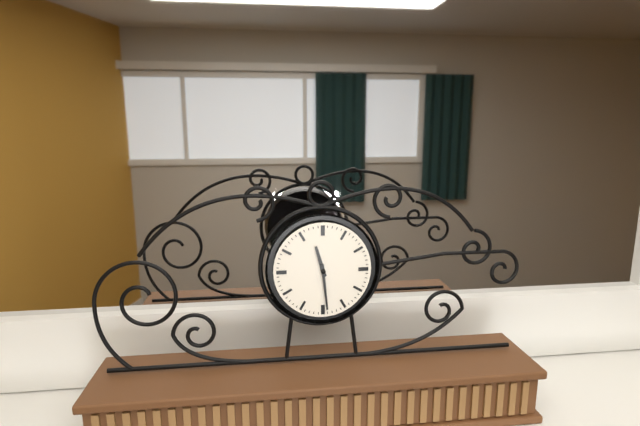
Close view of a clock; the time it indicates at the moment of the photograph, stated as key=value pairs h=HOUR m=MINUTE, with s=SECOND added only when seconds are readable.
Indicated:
h=11 m=29
